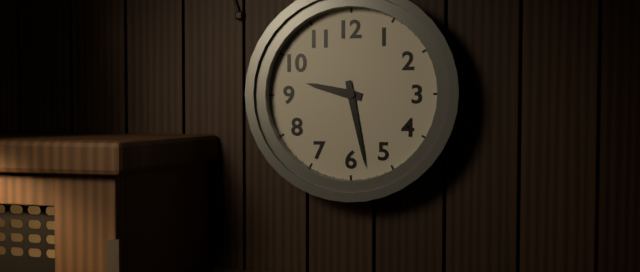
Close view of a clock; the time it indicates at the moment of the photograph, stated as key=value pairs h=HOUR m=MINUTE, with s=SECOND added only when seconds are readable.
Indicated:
h=9 m=28
